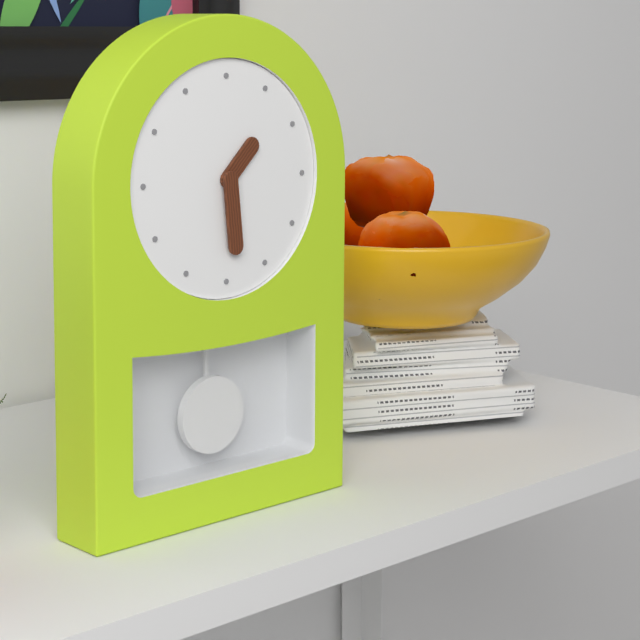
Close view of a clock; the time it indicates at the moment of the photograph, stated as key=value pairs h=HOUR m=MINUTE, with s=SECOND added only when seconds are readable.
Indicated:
h=1 m=29
